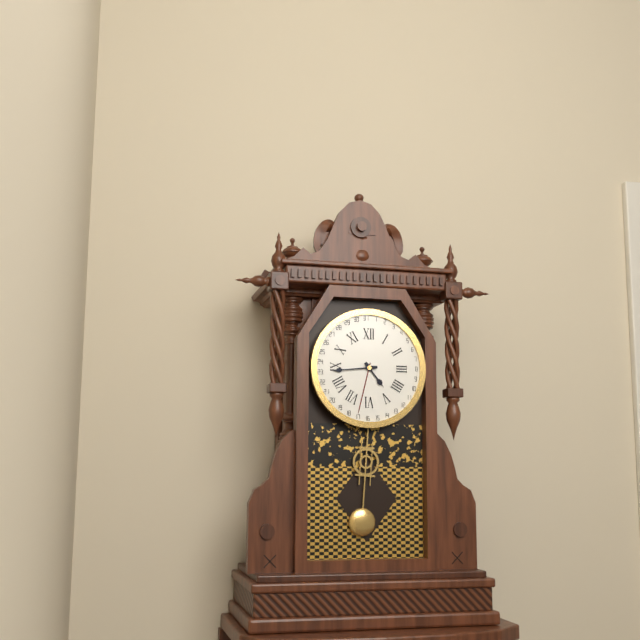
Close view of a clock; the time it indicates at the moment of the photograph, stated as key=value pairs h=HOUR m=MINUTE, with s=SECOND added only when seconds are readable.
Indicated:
h=4 m=44
